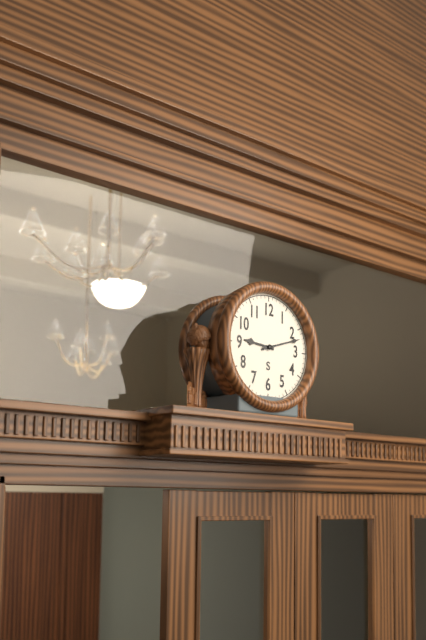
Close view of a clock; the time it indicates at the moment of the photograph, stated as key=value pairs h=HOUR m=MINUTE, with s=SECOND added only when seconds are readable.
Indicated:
h=9 m=12
